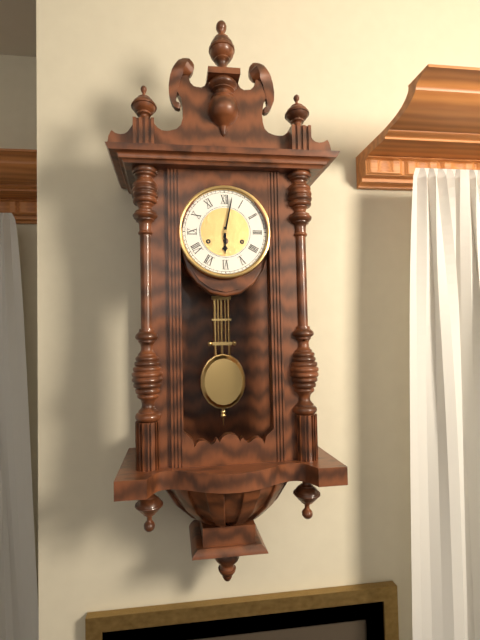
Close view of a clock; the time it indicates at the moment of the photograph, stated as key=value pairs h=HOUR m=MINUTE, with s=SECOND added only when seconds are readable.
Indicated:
h=6 m=2
